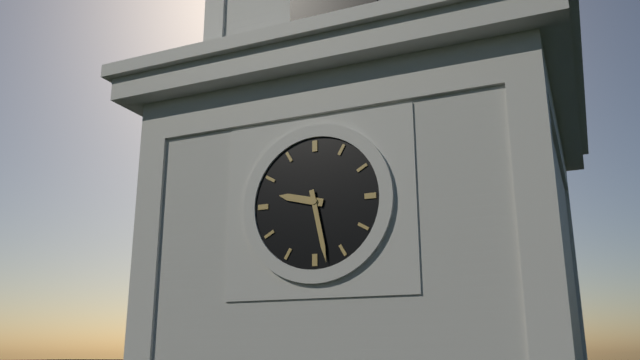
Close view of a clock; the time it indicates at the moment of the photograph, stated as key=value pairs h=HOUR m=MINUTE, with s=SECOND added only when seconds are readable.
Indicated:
h=9 m=28
